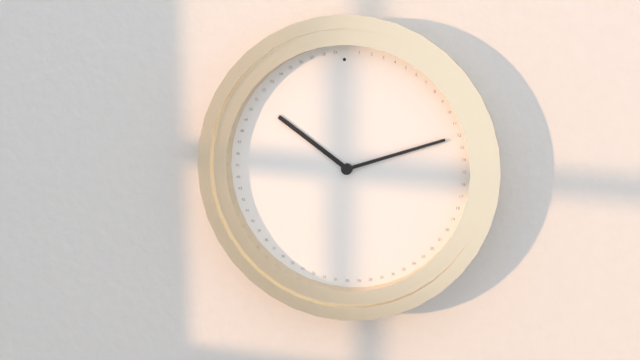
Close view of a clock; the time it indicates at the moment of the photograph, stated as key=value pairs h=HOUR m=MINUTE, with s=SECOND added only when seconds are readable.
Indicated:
h=10 m=12
